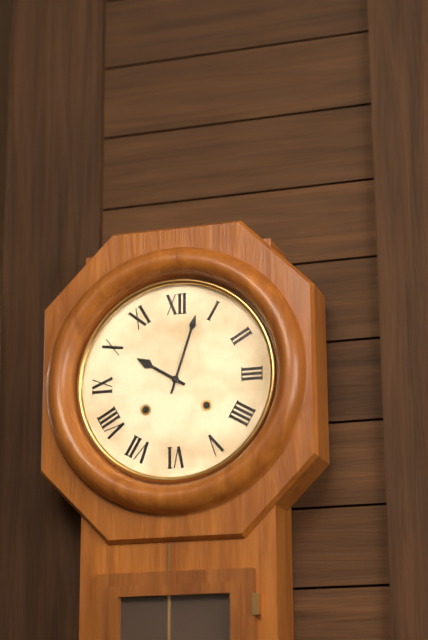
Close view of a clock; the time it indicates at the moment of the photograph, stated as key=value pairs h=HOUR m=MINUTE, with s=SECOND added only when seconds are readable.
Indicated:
h=10 m=3
